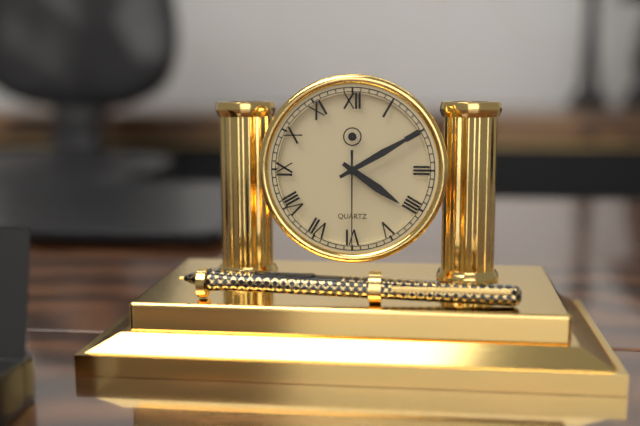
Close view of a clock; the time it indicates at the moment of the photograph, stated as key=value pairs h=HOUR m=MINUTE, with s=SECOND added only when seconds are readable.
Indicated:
h=4 m=10 s=30
